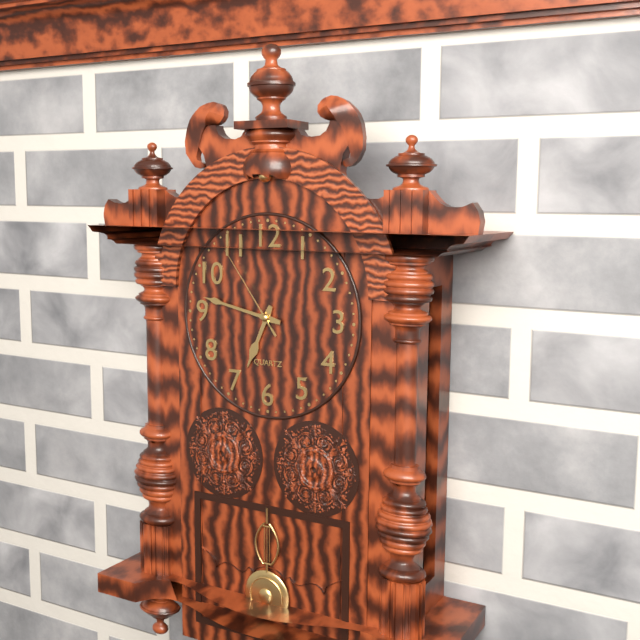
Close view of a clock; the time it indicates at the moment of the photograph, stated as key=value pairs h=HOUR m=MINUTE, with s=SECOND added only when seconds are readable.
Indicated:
h=6 m=47 s=54
